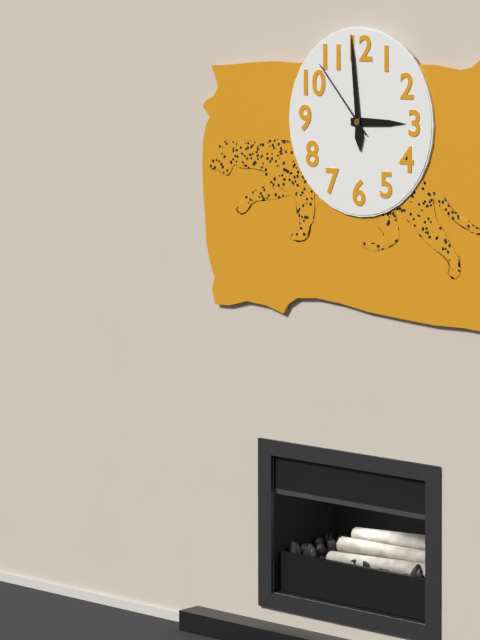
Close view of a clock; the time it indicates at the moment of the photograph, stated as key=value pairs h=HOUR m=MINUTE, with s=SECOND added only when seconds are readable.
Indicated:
h=2 m=59 s=53
